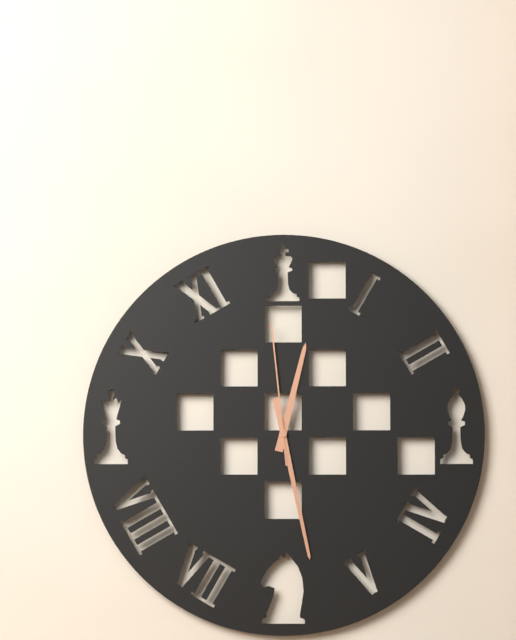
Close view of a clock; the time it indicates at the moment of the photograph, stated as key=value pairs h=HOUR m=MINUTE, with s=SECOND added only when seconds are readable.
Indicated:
h=12 m=28 s=59
